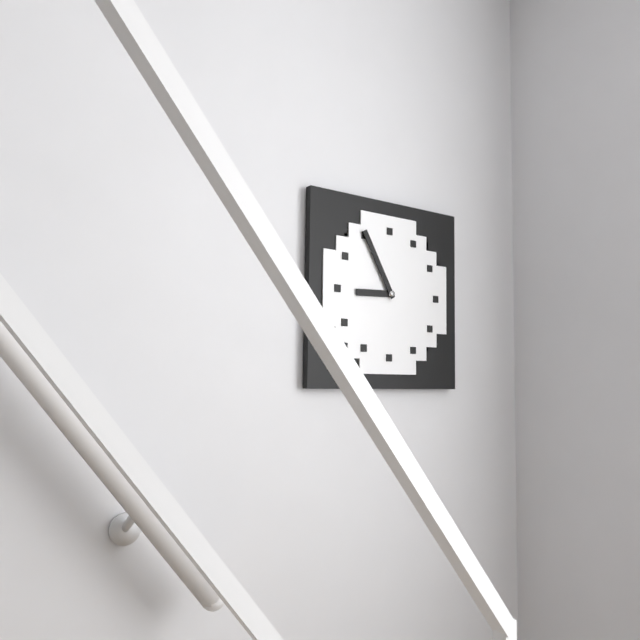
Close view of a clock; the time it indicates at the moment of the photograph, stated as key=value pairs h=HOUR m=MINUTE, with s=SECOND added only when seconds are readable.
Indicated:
h=8 m=55
